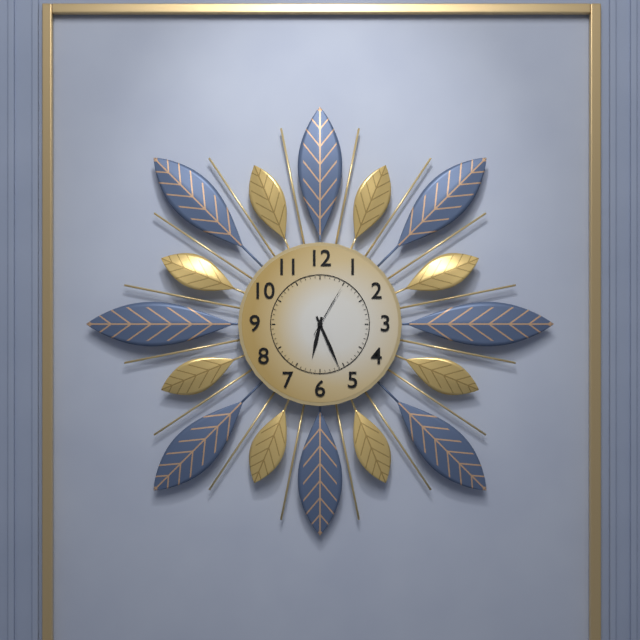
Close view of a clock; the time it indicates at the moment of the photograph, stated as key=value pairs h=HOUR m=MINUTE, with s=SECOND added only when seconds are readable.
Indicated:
h=6 m=26 s=5
